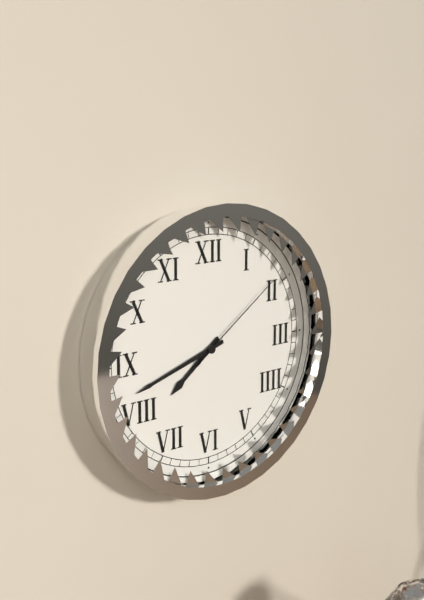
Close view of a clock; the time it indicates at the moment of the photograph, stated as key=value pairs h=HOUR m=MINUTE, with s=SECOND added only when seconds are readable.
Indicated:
h=7 m=42 s=9
